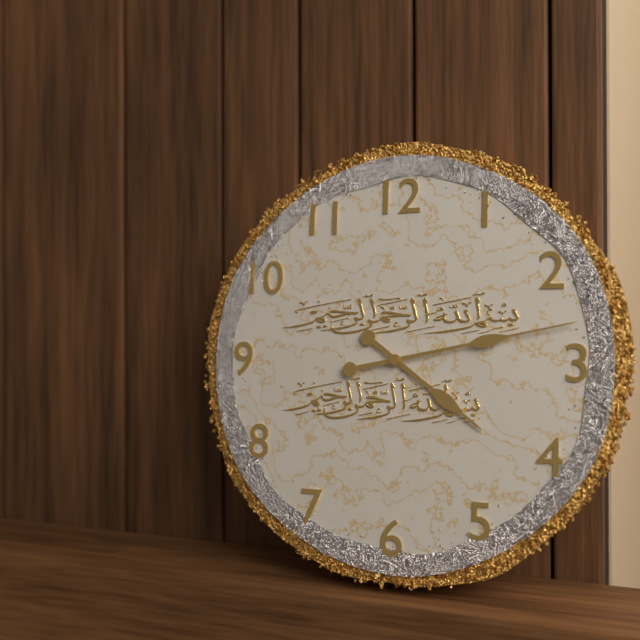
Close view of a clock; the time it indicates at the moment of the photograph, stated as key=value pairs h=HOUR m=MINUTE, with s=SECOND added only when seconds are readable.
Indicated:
h=4 m=13
